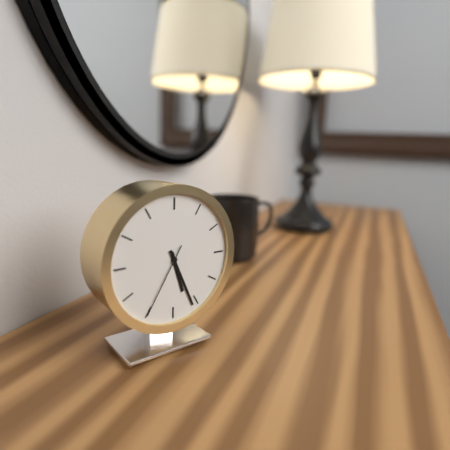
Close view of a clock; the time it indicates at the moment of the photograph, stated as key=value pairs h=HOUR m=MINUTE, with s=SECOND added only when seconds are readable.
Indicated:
h=5 m=26 s=35
